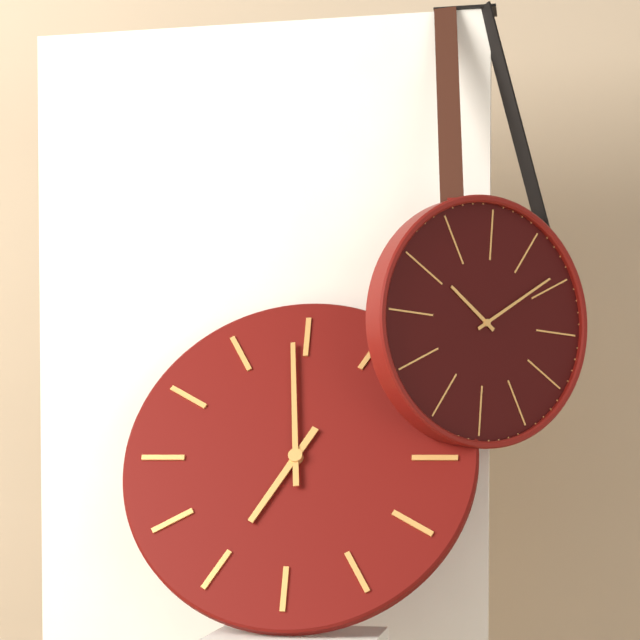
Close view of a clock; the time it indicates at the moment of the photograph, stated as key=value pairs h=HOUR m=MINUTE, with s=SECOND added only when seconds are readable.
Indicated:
h=6 m=59
